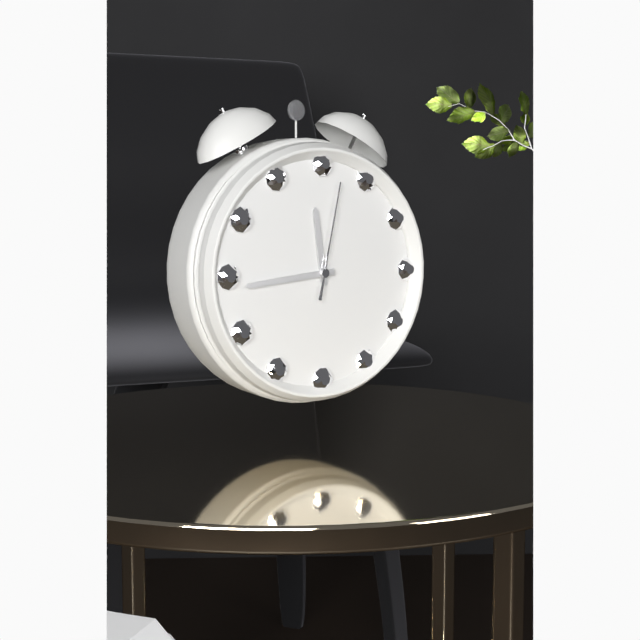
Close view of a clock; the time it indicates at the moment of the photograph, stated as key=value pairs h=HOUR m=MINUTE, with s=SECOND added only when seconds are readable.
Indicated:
h=11 m=44 s=2
